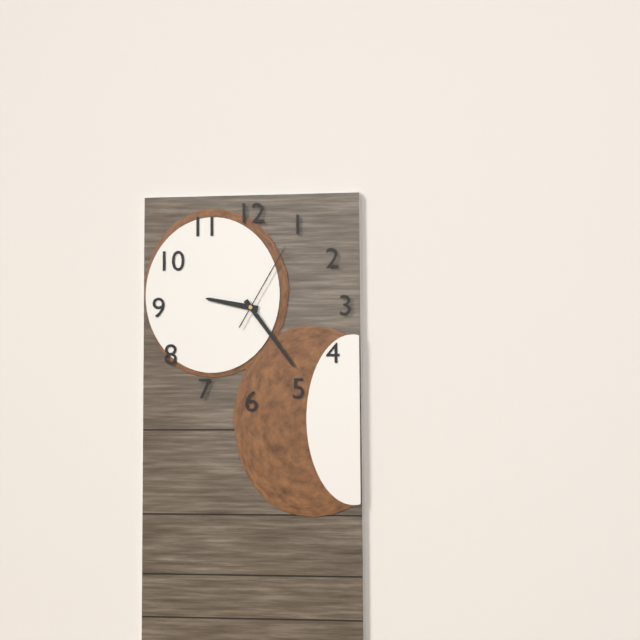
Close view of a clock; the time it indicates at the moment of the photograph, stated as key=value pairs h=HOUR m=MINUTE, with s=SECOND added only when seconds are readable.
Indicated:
h=9 m=24 s=5
